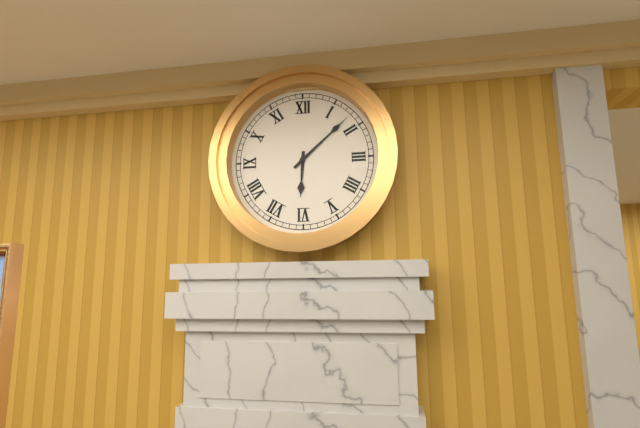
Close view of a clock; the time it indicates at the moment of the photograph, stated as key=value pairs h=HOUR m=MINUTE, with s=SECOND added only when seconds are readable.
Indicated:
h=6 m=8
